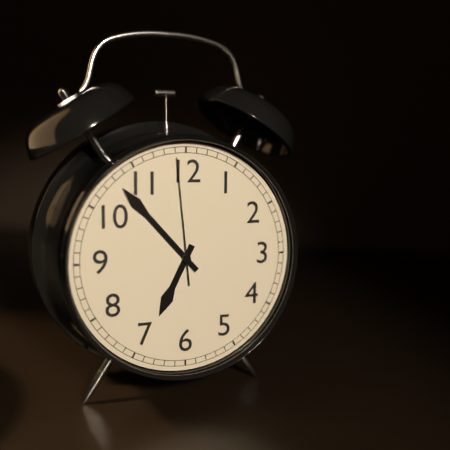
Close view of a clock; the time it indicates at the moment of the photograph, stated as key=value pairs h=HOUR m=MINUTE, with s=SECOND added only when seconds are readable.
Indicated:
h=6 m=53 s=59
